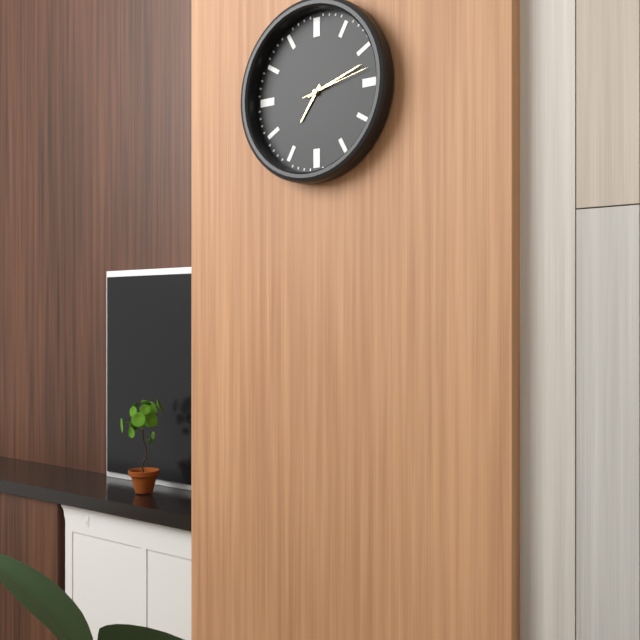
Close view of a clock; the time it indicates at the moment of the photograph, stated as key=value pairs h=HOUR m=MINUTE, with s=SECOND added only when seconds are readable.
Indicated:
h=7 m=12 s=13
